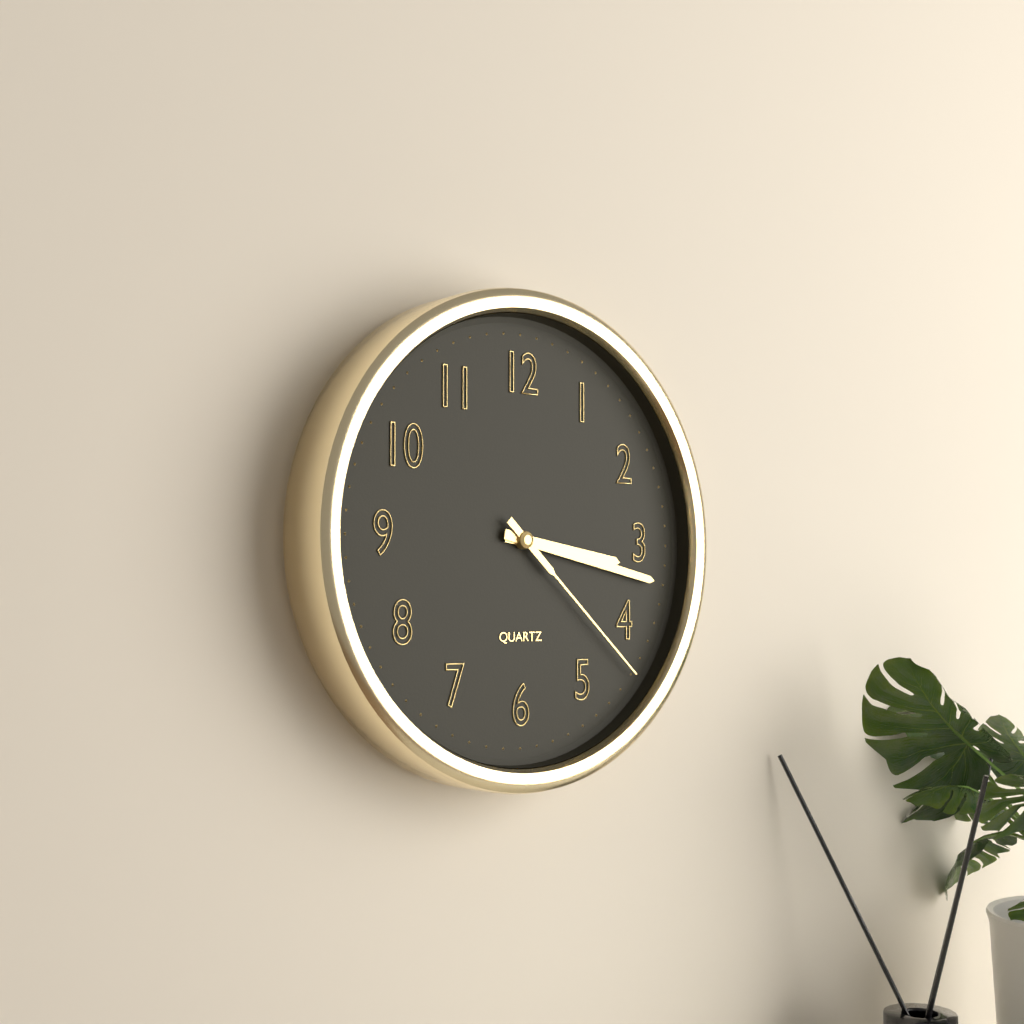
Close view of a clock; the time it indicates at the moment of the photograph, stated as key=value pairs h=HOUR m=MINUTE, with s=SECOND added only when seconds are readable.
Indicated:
h=3 m=17 s=22
